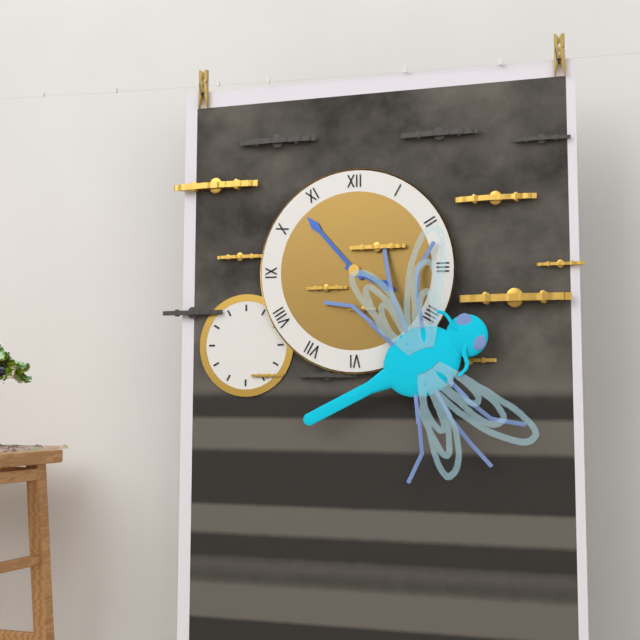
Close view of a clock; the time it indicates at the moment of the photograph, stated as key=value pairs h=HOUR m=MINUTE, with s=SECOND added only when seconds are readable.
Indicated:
h=3 m=53
